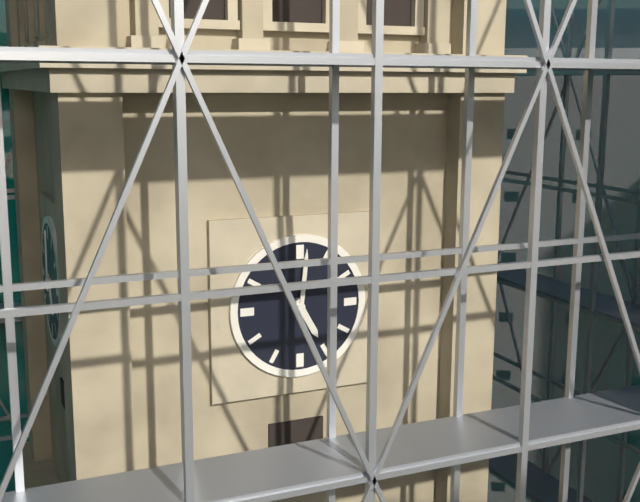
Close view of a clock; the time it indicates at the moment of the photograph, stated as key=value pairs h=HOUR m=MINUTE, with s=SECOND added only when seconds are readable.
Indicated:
h=5 m=1
